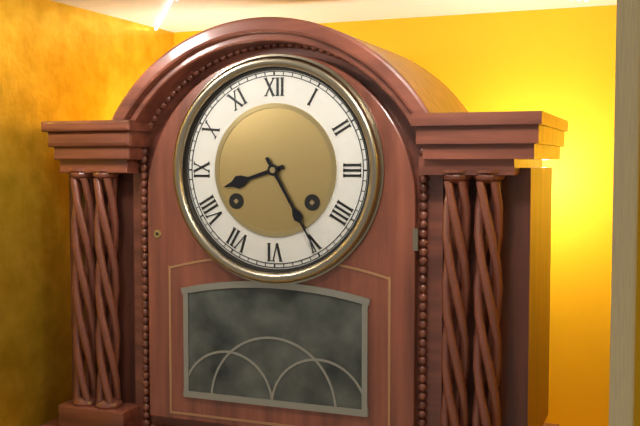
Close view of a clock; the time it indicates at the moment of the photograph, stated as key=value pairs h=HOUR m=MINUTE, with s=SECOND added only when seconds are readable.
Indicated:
h=8 m=25
